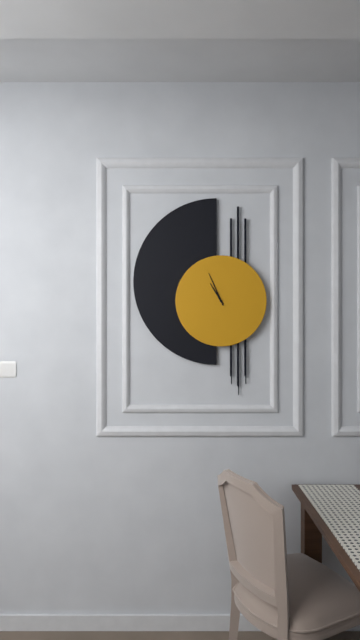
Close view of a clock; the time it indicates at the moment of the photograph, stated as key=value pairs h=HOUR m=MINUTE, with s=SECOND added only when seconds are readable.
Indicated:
h=10 m=56
